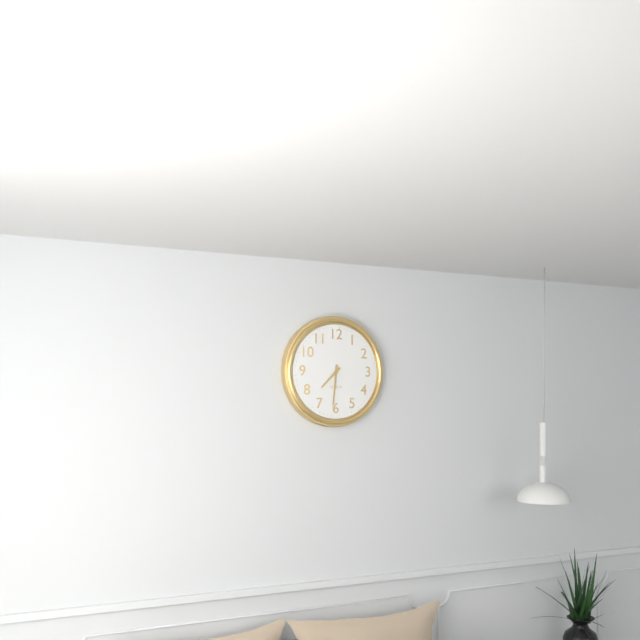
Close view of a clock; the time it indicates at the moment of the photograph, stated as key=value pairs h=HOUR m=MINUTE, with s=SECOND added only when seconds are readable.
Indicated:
h=7 m=31
